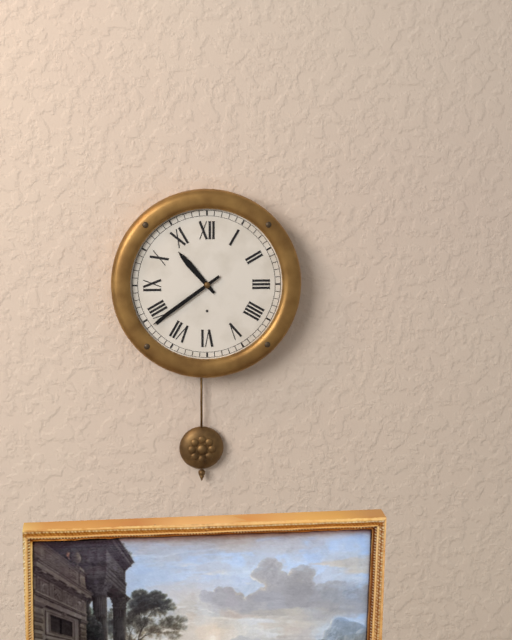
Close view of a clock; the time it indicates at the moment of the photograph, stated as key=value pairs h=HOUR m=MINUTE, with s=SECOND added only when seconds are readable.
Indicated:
h=10 m=39
